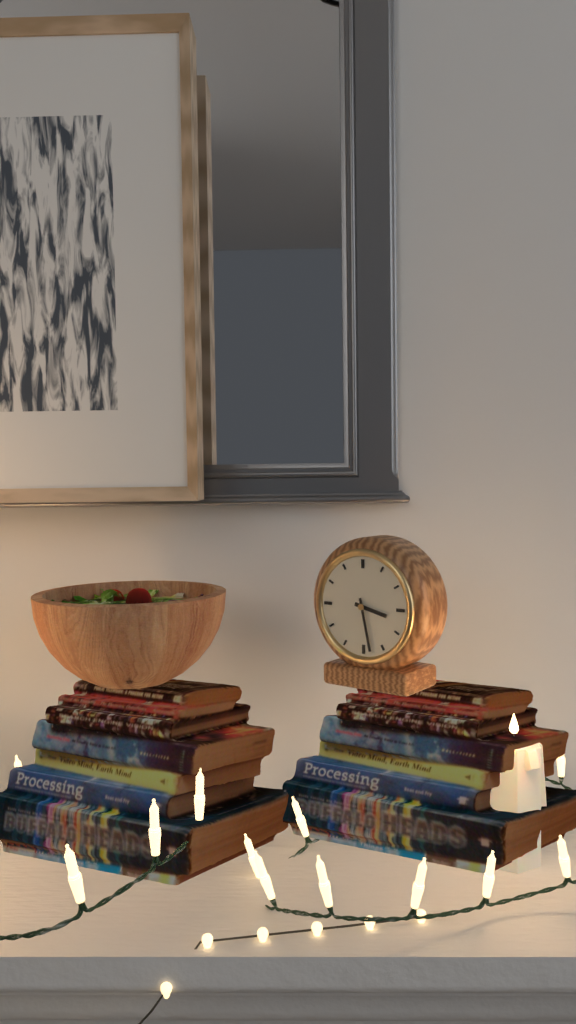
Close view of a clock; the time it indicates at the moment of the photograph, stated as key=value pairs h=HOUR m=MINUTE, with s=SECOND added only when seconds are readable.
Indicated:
h=3 m=28
